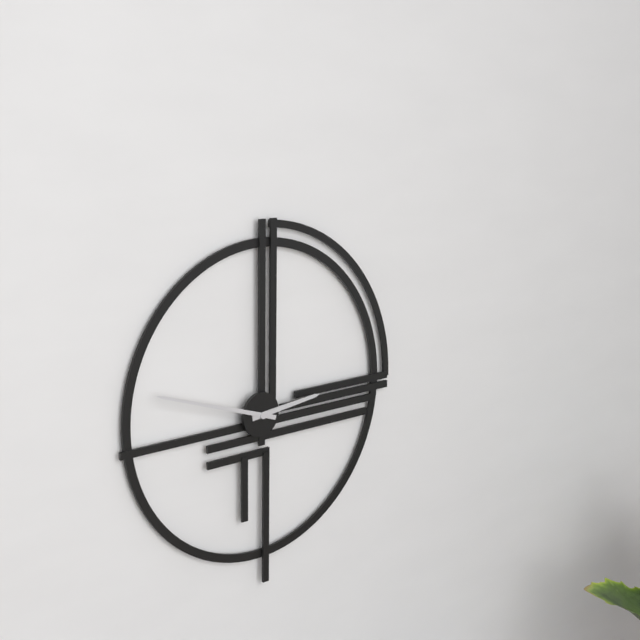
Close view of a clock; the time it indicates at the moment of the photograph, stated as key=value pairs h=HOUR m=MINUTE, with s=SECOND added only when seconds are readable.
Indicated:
h=2 m=48
